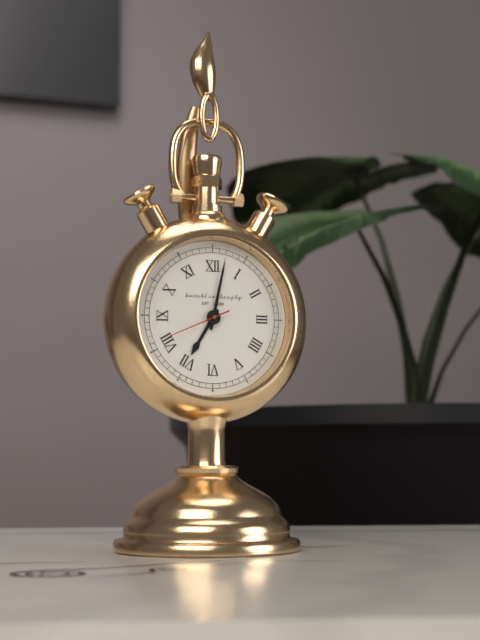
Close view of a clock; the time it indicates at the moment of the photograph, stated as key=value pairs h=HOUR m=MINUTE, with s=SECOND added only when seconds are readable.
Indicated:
h=7 m=2 s=41
